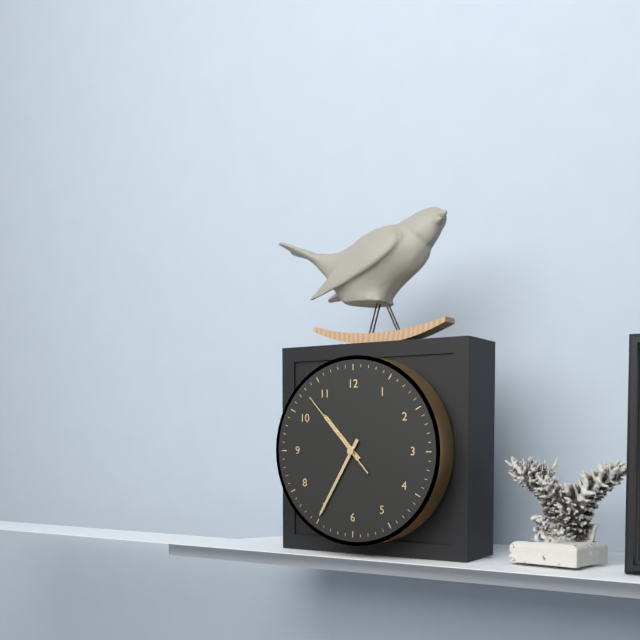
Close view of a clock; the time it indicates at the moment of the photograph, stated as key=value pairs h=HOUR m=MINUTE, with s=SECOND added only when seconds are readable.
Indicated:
h=10 m=35 s=53
